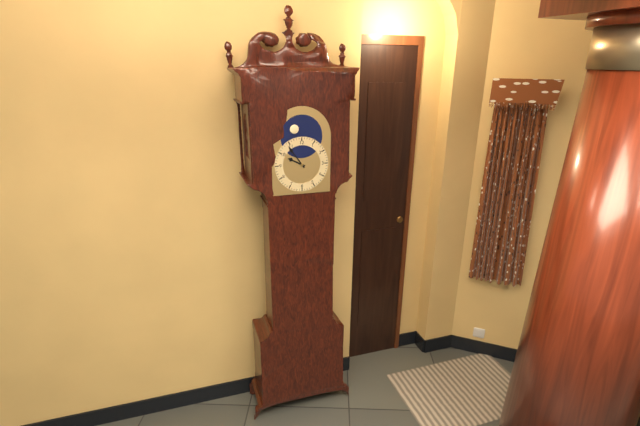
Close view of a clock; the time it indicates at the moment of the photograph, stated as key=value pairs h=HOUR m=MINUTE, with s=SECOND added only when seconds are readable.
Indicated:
h=9 m=54
